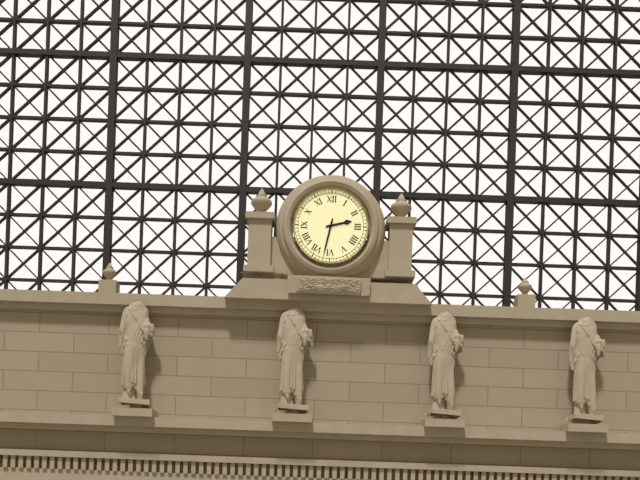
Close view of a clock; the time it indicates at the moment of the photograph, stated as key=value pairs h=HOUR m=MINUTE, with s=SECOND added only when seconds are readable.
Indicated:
h=2 m=32
